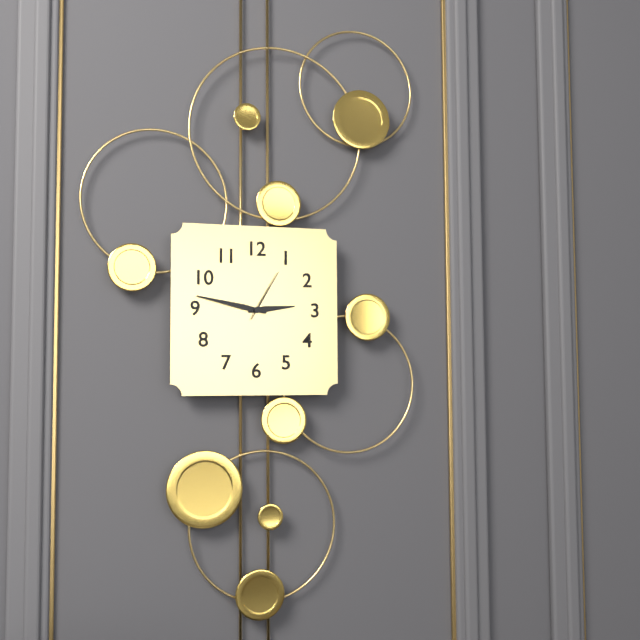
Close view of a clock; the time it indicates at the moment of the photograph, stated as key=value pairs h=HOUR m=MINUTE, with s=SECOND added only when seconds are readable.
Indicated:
h=2 m=47 s=5
